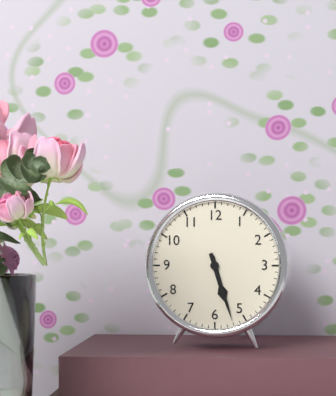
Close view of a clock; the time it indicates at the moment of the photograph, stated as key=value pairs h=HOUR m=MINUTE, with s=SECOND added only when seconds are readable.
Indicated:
h=5 m=27
